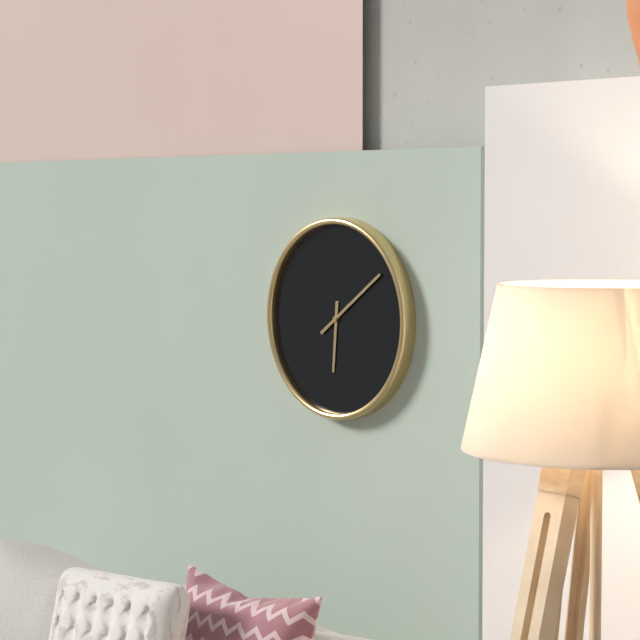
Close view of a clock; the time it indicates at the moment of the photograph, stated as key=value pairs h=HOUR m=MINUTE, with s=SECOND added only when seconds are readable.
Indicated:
h=6 m=9
